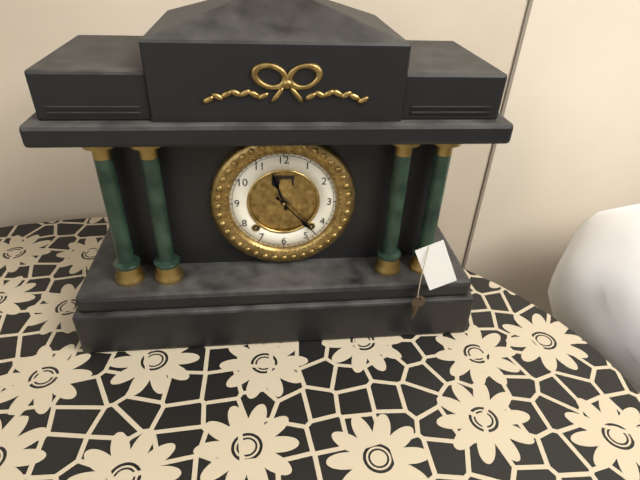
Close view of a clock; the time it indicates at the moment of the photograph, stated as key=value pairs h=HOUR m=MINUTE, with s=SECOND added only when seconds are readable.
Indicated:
h=11 m=23
